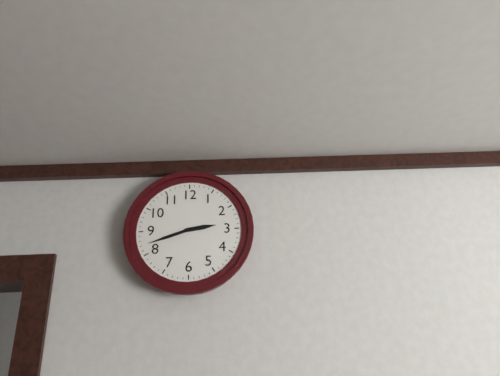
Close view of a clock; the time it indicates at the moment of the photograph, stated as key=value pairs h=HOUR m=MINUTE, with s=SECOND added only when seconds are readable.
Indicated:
h=2 m=42
